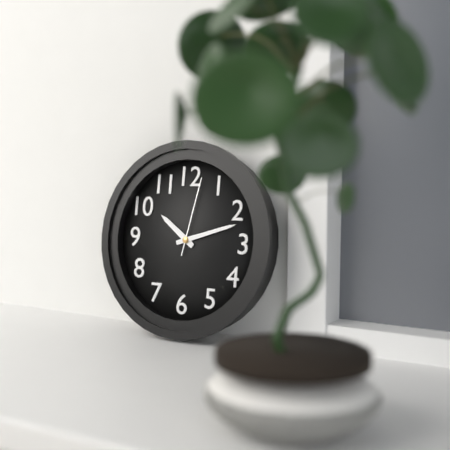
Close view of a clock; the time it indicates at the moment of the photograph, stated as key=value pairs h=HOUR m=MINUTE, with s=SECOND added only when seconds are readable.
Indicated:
h=10 m=12 s=2
